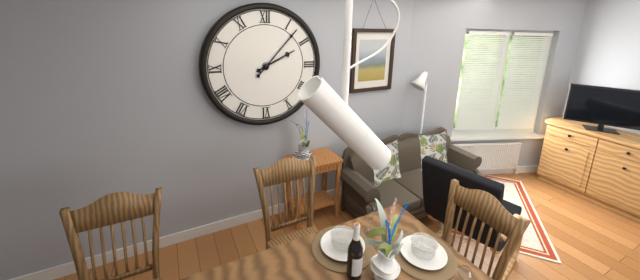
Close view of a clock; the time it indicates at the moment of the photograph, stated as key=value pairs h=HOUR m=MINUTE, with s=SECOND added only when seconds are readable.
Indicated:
h=2 m=7
